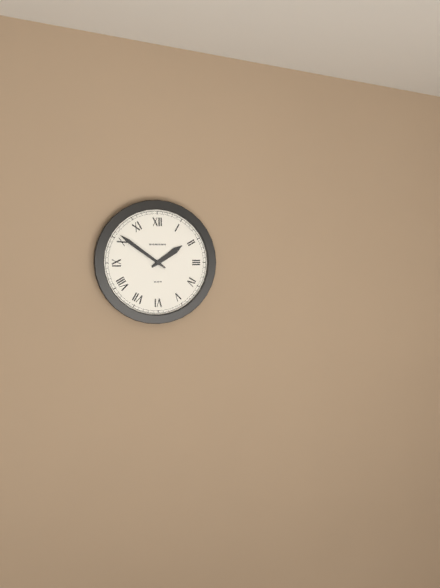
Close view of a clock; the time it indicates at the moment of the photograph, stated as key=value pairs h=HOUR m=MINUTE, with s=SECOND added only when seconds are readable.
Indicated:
h=1 m=51
